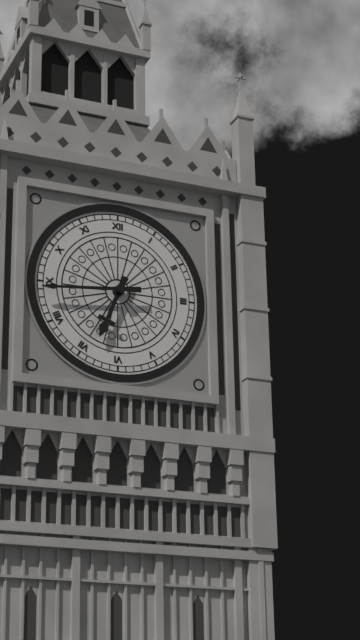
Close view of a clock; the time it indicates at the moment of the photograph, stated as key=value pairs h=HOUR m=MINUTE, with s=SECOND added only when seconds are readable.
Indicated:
h=6 m=44
